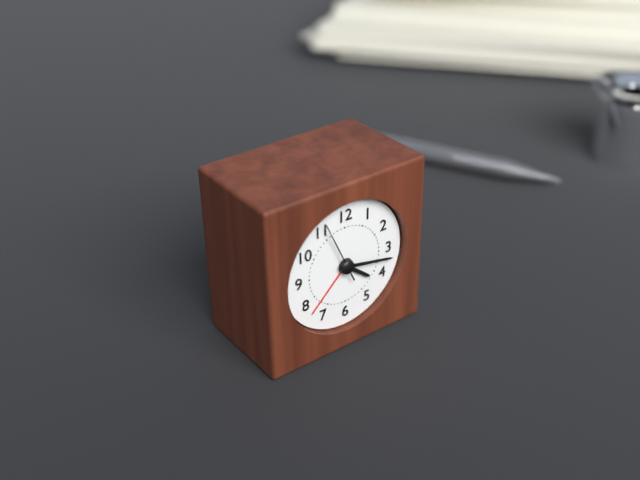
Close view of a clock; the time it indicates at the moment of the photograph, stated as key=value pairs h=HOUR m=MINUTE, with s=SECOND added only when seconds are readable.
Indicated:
h=4 m=17 s=56
